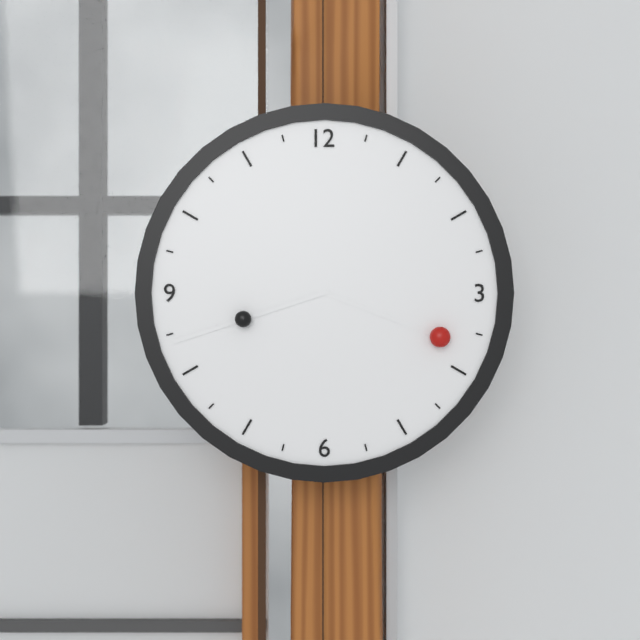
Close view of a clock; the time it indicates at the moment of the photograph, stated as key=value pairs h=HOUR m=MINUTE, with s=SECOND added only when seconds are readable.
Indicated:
h=3 m=42
